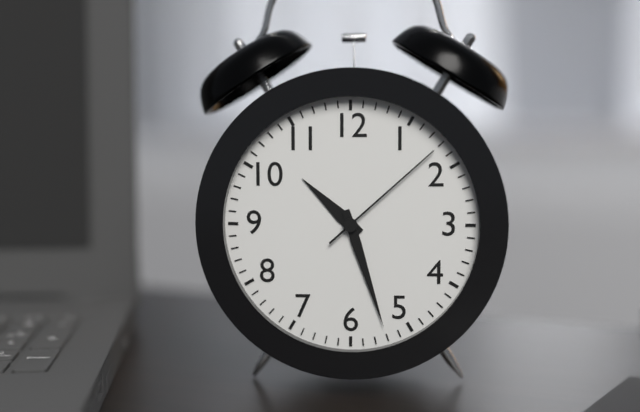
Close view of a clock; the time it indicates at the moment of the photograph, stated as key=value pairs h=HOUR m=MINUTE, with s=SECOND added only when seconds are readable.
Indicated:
h=10 m=27 s=8
